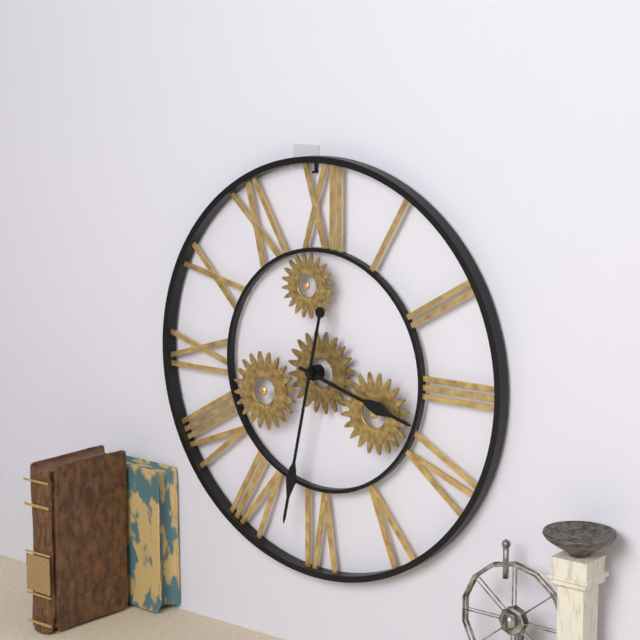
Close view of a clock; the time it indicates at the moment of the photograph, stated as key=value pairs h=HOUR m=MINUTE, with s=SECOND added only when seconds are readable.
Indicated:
h=3 m=32
